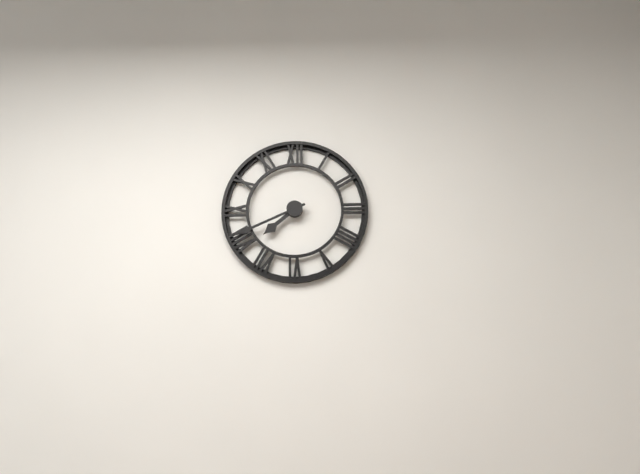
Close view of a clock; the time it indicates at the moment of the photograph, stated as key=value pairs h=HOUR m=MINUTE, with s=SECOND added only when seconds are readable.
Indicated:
h=7 m=41
